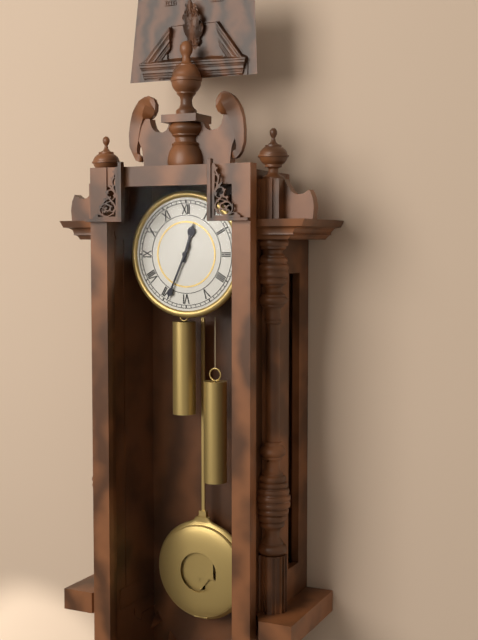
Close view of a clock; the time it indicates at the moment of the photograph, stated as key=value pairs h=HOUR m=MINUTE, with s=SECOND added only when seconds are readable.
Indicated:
h=12 m=34
